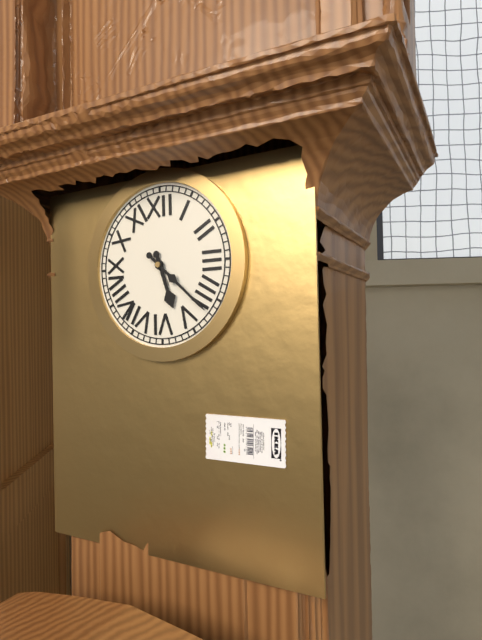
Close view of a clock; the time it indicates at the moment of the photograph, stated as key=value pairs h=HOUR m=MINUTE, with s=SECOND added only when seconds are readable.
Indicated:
h=5 m=22
